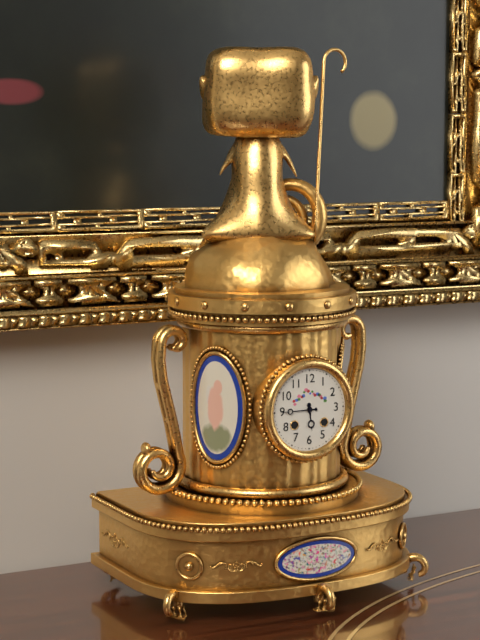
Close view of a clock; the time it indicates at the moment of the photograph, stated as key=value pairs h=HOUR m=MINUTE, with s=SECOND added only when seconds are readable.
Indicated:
h=5 m=45
